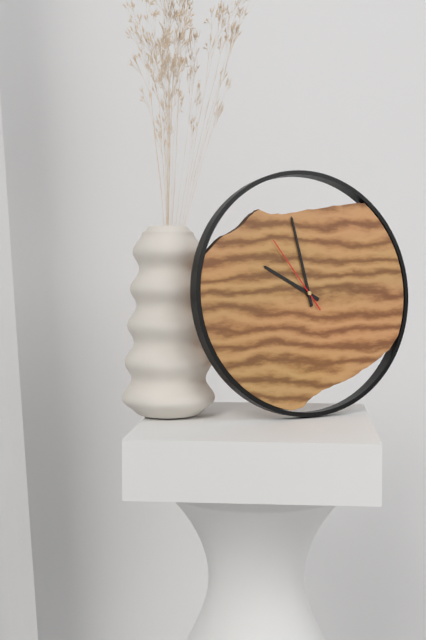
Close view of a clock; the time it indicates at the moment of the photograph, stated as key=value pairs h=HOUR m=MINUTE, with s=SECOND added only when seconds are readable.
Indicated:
h=9 m=58 s=54
